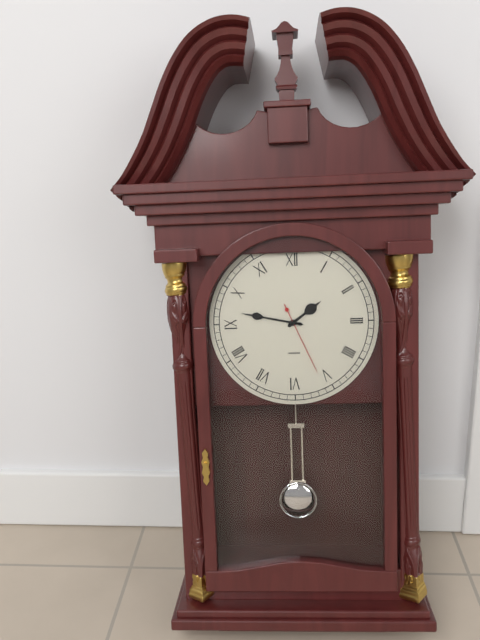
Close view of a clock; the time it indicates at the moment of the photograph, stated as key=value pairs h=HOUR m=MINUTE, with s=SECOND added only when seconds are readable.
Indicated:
h=1 m=47 s=26
